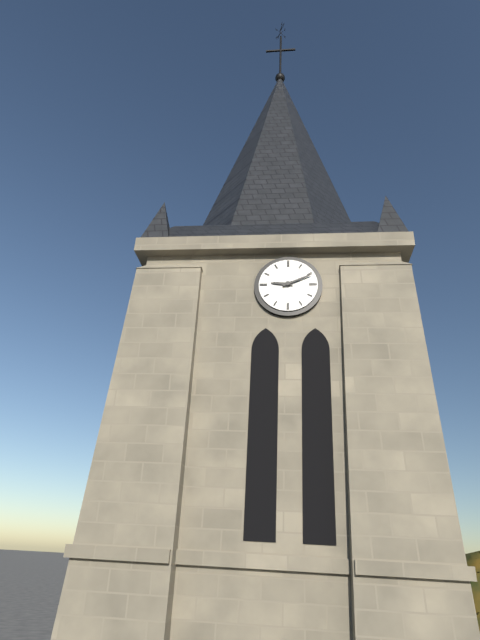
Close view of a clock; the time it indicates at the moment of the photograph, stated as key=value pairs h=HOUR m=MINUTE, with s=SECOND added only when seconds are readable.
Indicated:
h=9 m=11
